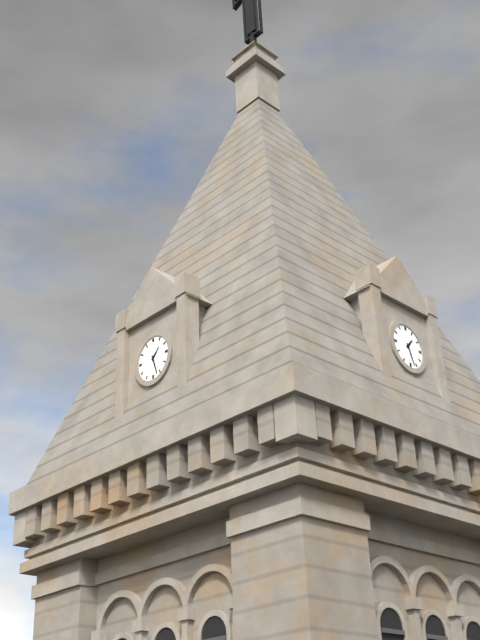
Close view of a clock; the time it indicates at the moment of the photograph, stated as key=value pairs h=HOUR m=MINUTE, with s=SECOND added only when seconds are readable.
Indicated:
h=1 m=27
